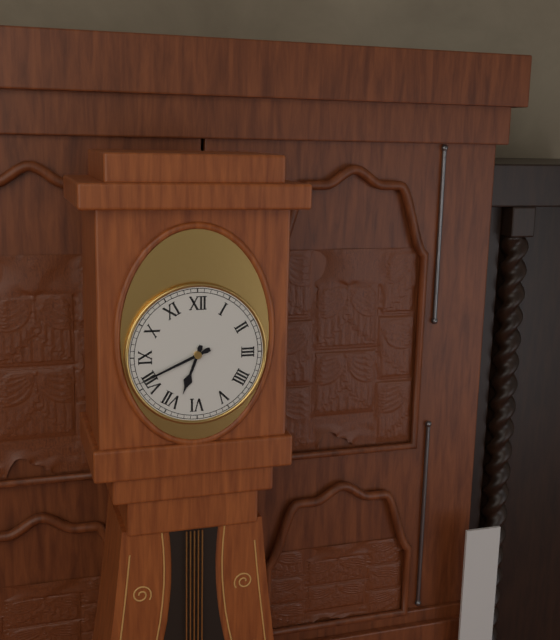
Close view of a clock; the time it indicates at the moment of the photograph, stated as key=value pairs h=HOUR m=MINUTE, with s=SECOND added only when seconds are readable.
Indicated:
h=6 m=41
